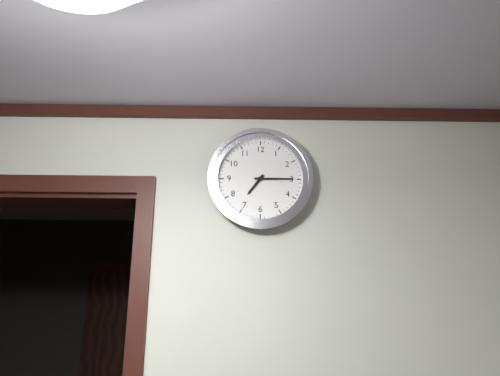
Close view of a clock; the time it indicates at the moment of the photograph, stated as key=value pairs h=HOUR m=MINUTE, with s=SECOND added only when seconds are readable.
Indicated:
h=7 m=15
